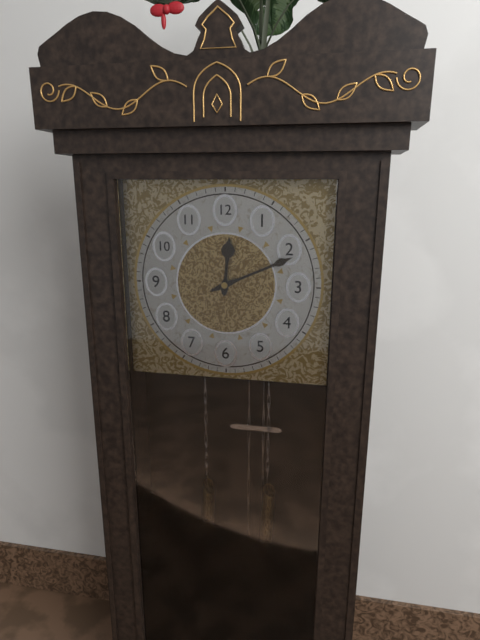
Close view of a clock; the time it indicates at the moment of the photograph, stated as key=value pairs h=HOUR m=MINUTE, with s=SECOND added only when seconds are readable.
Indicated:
h=12 m=11
